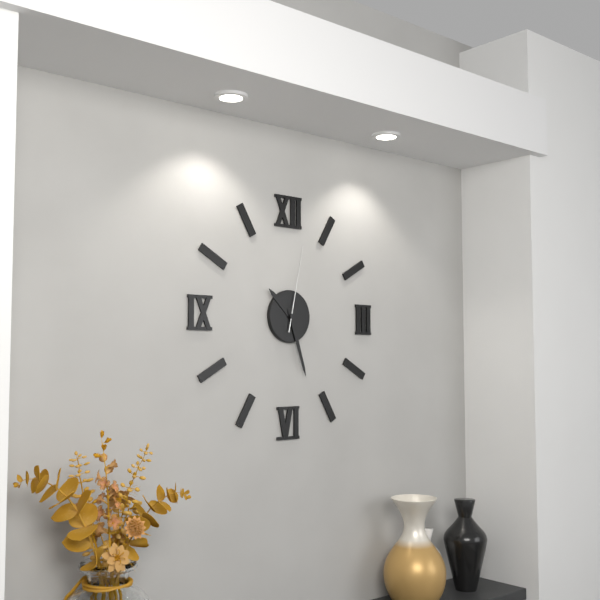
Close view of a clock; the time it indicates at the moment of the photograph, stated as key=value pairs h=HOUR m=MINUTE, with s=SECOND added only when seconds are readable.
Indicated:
h=10 m=27 s=2
